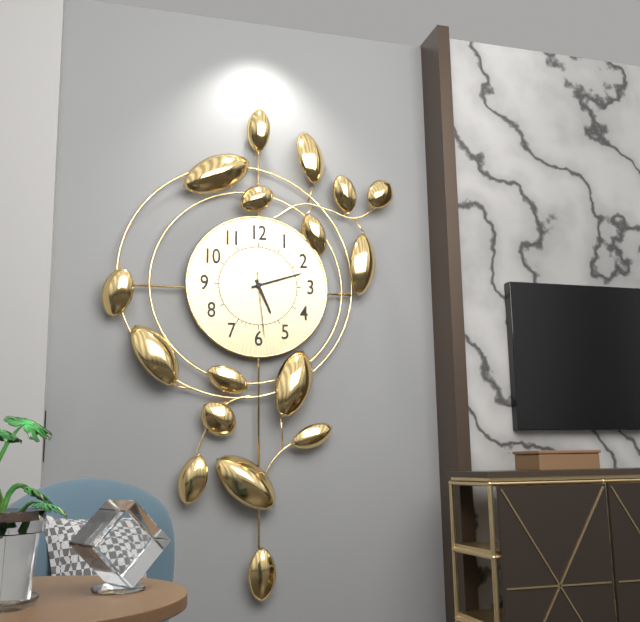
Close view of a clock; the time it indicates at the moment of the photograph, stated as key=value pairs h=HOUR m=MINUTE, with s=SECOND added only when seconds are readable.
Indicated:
h=5 m=12 s=29
